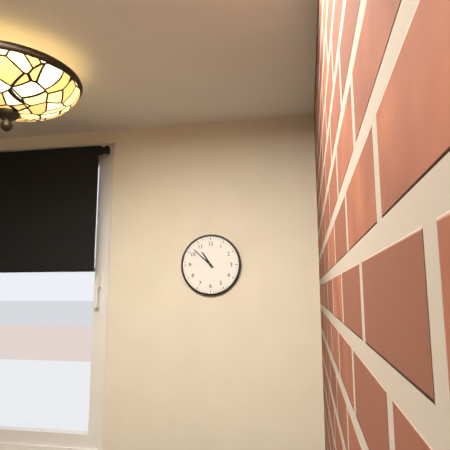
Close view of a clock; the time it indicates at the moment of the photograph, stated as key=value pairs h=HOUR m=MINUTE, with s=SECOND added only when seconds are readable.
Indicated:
h=10 m=52
